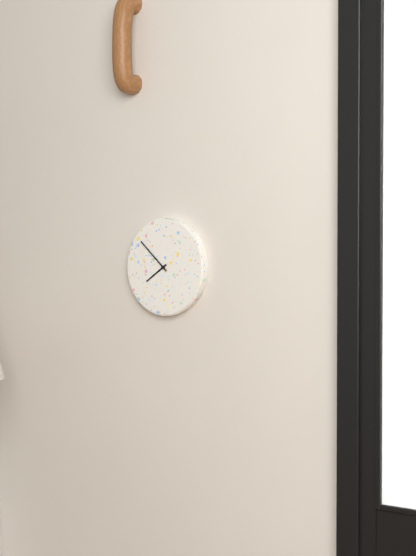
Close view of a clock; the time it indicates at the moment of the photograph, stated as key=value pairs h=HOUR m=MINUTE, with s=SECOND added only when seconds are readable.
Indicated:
h=7 m=52
